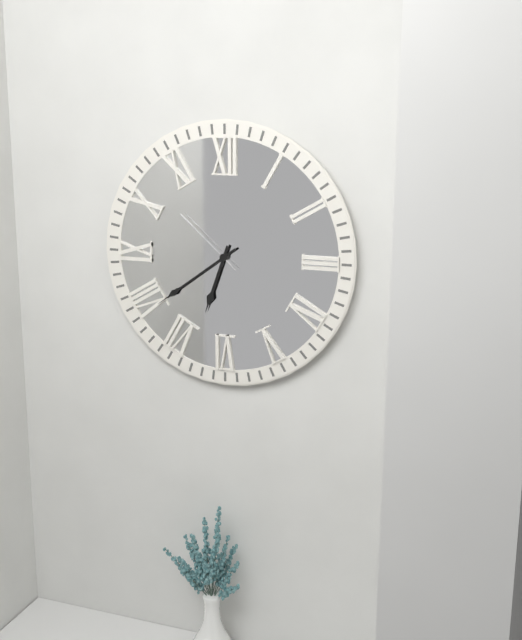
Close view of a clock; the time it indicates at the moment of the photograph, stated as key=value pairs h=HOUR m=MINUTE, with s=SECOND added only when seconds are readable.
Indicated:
h=6 m=39 s=52
